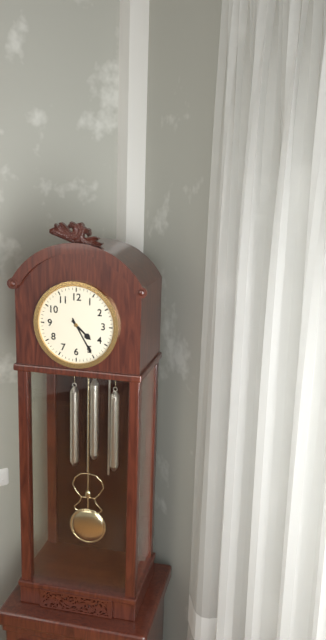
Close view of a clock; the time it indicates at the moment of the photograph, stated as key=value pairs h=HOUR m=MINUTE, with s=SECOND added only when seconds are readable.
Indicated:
h=4 m=25
